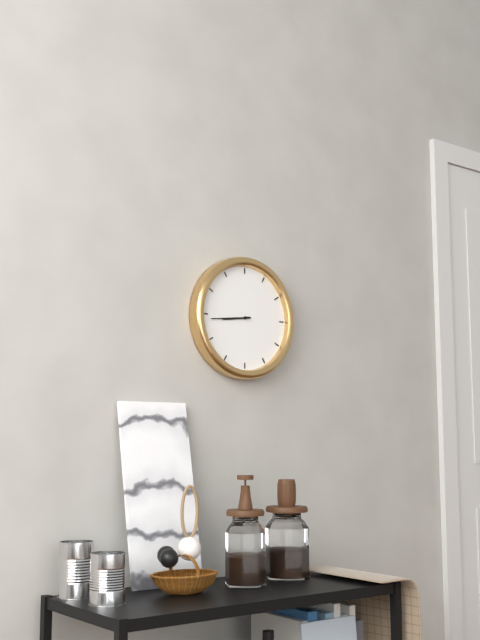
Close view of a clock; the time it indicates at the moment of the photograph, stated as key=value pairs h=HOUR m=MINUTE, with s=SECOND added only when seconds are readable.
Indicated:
h=8 m=44
